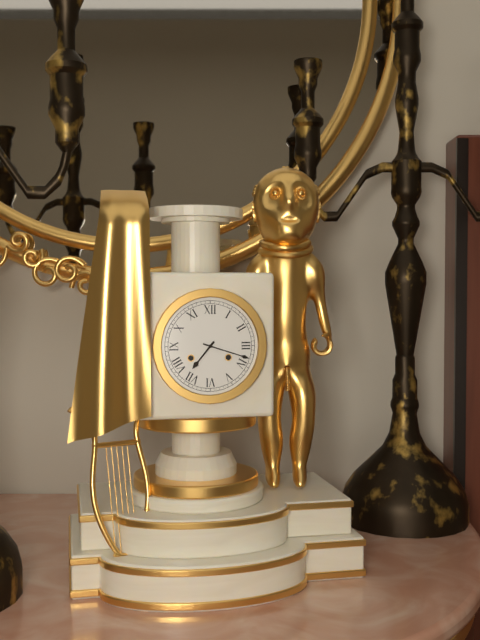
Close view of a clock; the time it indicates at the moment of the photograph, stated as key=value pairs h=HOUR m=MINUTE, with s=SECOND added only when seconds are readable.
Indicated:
h=7 m=18
